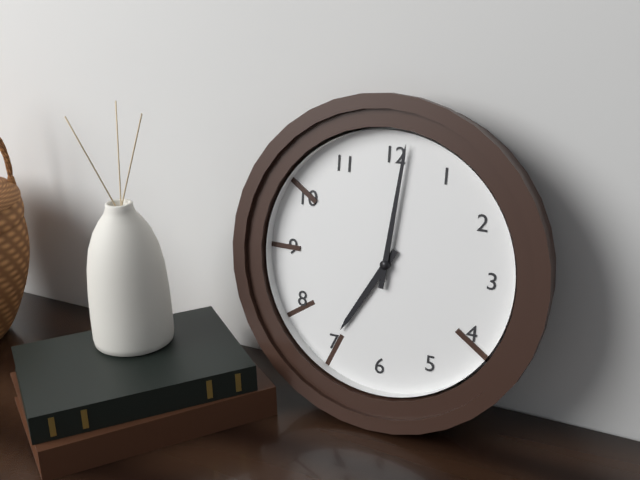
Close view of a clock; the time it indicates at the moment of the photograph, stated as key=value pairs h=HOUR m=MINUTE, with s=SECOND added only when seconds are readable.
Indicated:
h=7 m=1
